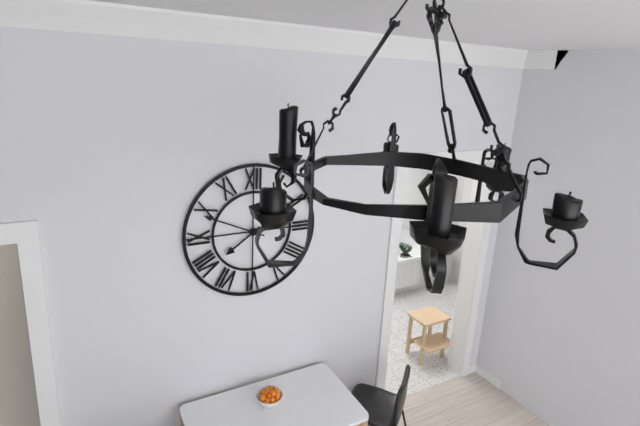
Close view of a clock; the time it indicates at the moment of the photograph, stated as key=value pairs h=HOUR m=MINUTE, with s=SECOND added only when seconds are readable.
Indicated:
h=7 m=49
